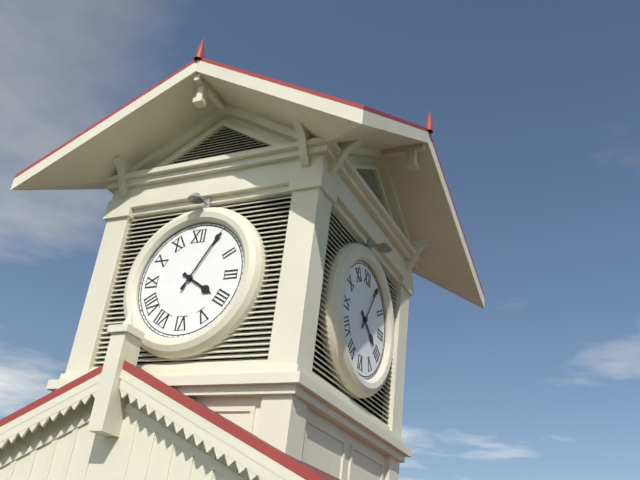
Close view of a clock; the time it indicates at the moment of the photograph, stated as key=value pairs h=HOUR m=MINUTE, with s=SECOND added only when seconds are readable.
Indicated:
h=4 m=5
